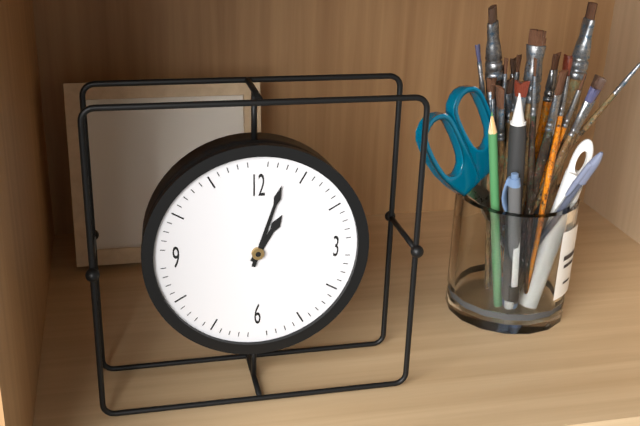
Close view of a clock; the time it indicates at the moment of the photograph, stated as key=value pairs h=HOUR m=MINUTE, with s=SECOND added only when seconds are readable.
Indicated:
h=1 m=3
